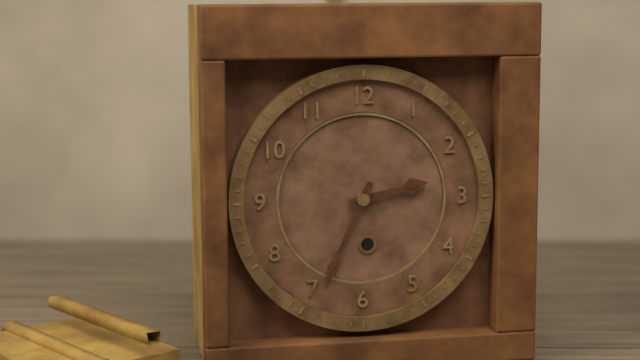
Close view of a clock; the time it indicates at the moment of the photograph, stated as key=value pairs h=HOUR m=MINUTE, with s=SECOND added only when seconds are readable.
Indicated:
h=2 m=34
